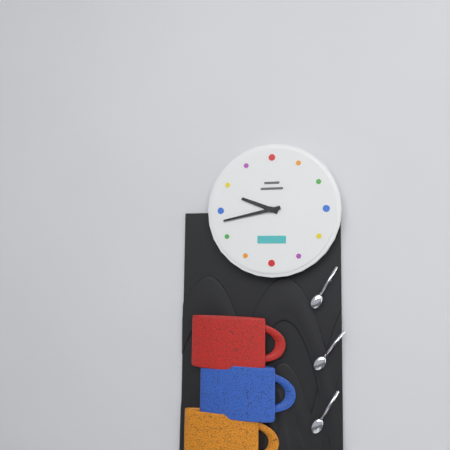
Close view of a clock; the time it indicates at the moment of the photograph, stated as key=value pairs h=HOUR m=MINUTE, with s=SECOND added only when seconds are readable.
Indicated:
h=9 m=43
